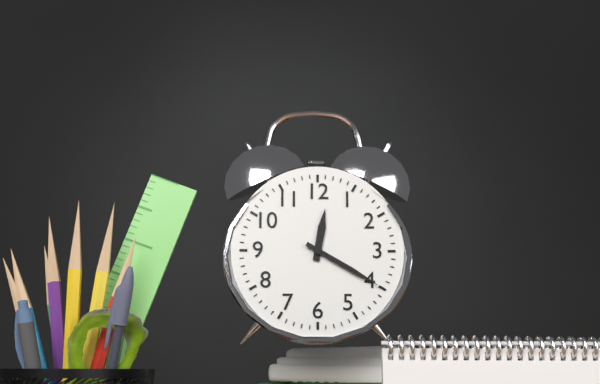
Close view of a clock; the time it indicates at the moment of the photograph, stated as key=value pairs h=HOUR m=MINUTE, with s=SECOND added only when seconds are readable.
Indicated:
h=12 m=20
